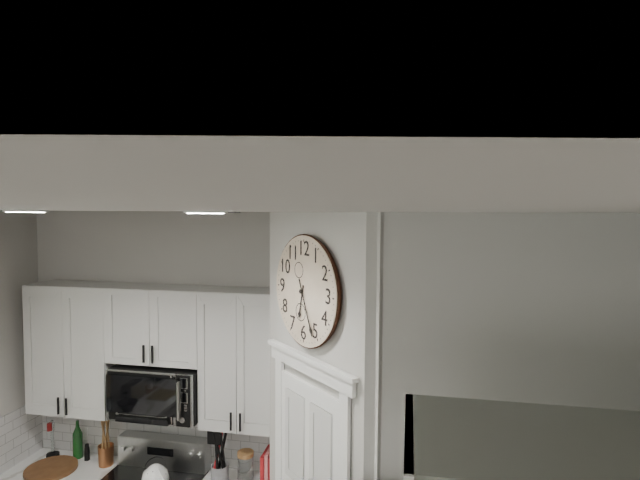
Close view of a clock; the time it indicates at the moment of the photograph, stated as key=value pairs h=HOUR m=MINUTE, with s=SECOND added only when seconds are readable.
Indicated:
h=6 m=26
